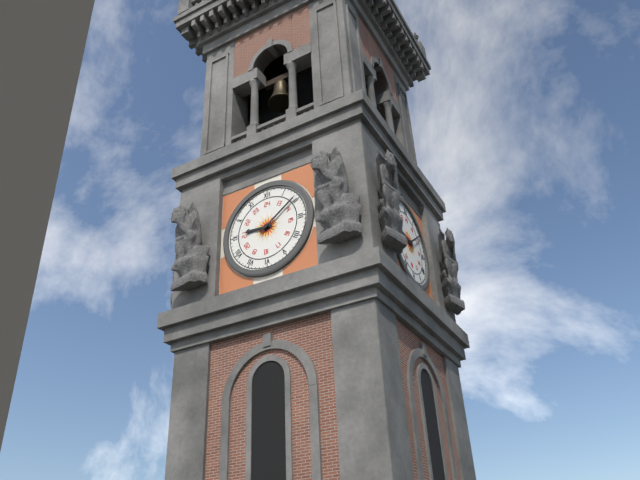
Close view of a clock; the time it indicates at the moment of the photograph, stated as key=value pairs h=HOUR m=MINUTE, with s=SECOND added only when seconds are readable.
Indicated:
h=9 m=9
